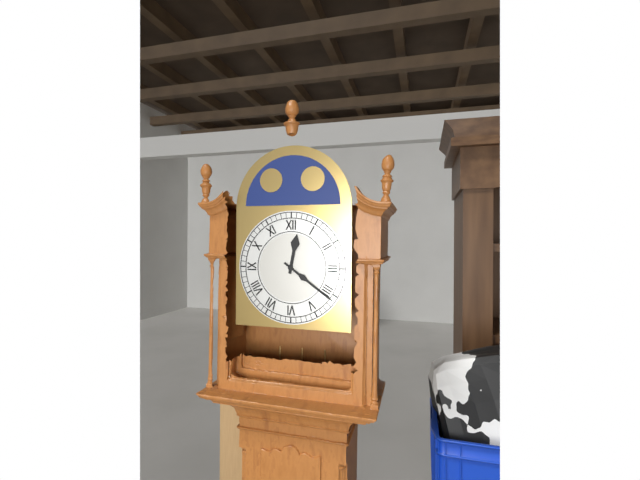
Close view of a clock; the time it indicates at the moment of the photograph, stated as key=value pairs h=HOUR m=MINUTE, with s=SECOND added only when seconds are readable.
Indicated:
h=12 m=21
